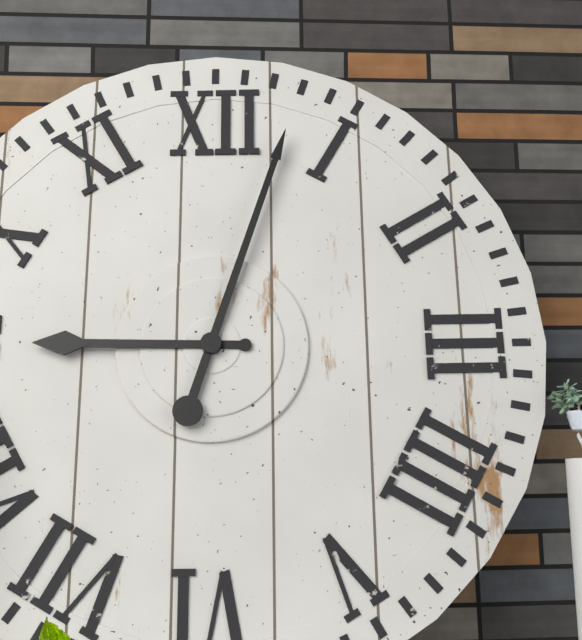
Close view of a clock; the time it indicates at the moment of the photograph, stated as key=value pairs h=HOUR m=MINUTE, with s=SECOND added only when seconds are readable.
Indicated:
h=9 m=3
